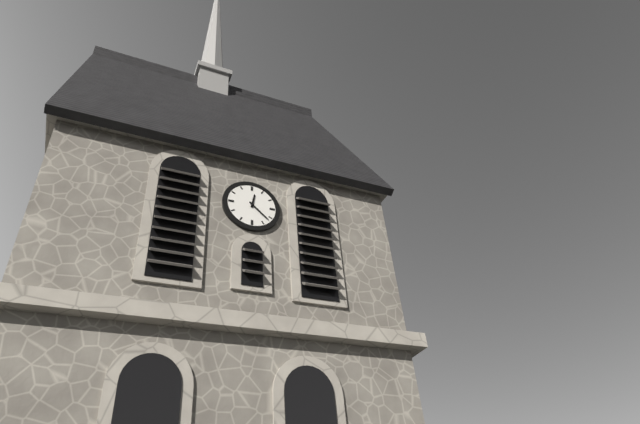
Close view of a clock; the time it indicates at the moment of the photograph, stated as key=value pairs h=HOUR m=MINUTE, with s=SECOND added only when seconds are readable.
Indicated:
h=12 m=22
